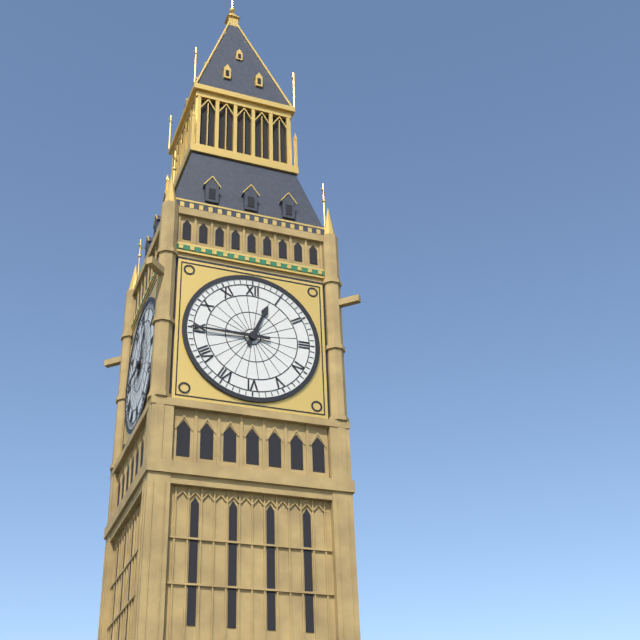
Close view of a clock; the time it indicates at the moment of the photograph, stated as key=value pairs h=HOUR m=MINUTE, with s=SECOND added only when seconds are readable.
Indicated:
h=12 m=45
